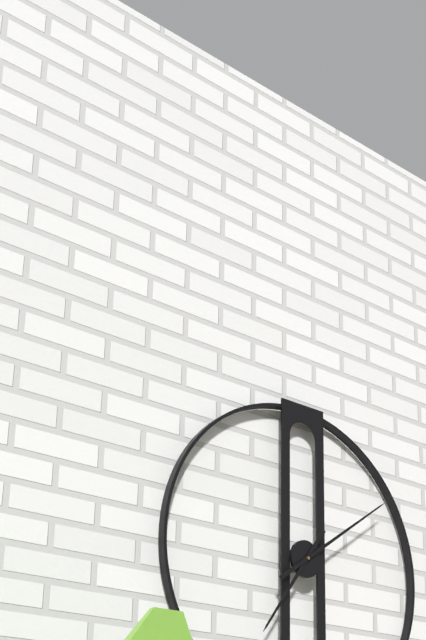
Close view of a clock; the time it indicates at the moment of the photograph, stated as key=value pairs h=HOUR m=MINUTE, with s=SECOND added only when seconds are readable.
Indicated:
h=7 m=9
